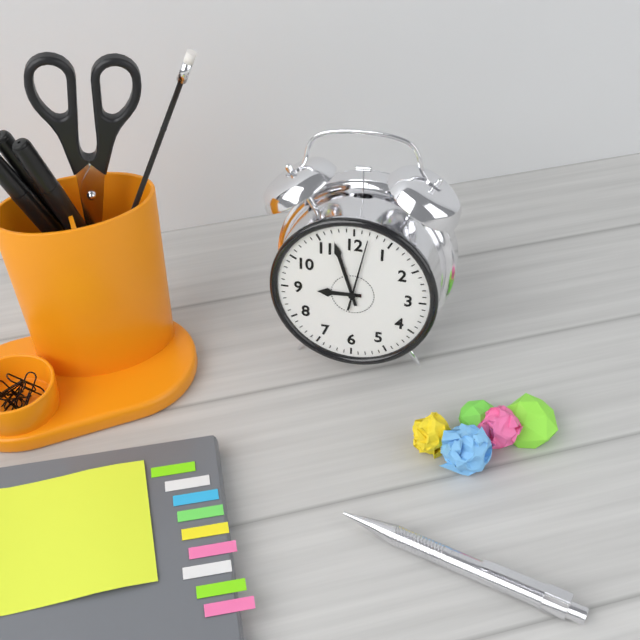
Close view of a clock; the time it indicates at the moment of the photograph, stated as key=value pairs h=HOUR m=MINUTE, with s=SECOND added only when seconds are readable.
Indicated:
h=8 m=57 s=2
